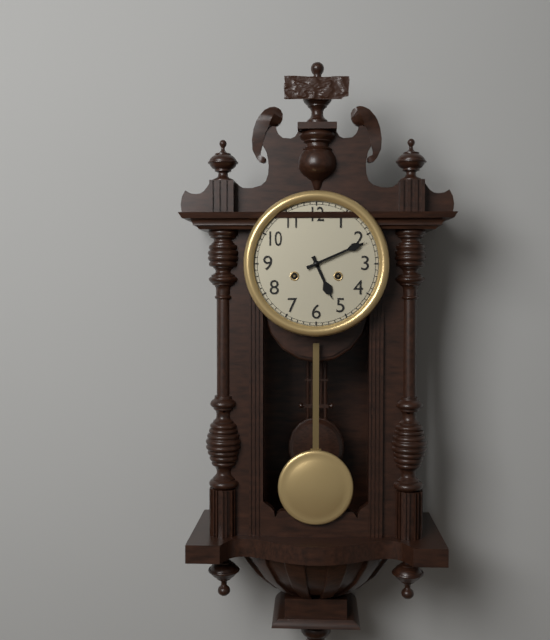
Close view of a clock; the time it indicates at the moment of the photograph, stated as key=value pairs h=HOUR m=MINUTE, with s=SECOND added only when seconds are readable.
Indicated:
h=5 m=11
